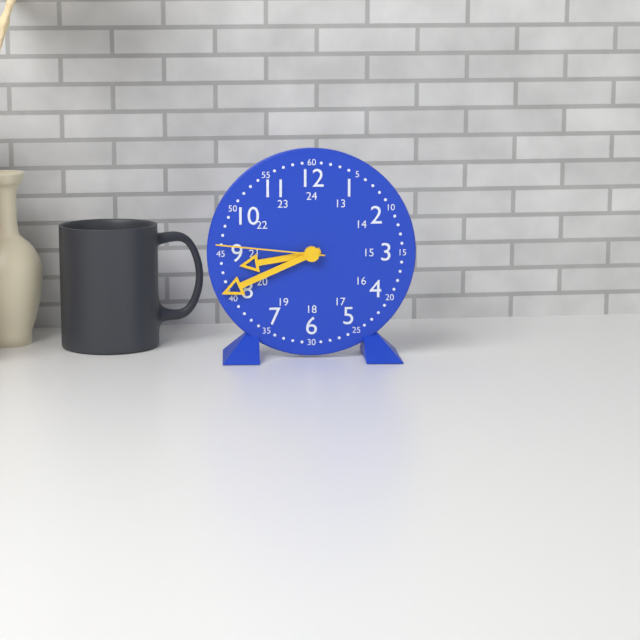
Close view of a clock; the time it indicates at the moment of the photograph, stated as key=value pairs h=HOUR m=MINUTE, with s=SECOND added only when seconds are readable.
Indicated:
h=8 m=41 s=46
